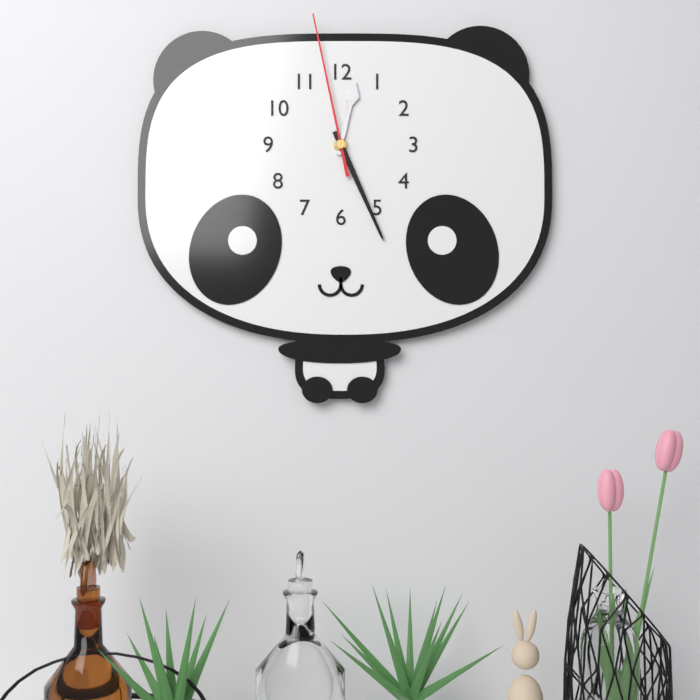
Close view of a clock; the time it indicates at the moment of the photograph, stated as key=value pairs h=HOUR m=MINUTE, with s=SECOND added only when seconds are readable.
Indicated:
h=12 m=26 s=58
